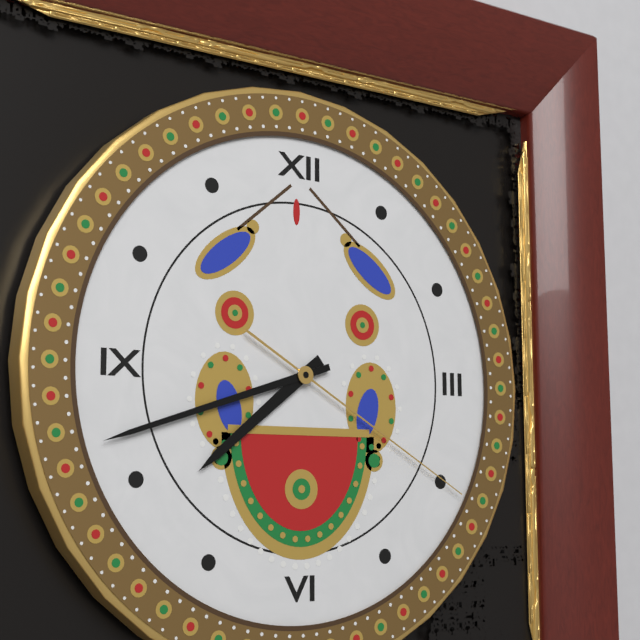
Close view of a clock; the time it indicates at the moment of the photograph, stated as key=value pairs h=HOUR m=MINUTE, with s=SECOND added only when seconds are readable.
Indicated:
h=7 m=42 s=20
